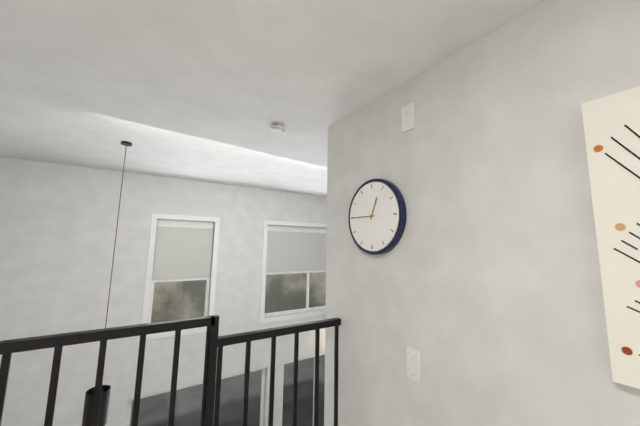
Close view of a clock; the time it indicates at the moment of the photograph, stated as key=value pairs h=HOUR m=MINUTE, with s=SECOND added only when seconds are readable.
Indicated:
h=12 m=45
